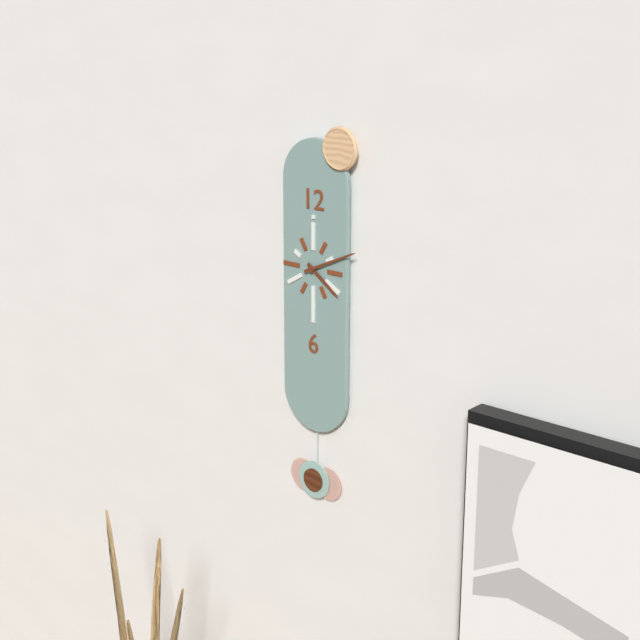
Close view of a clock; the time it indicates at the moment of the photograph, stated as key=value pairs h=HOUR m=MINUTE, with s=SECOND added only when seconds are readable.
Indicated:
h=4 m=11
